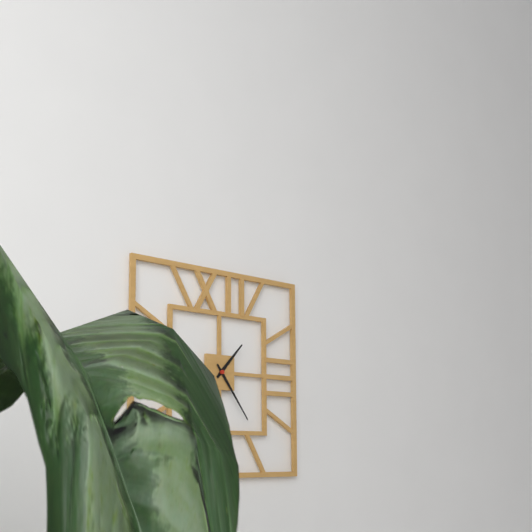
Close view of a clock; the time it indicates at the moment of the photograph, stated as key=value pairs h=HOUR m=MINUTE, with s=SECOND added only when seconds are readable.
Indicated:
h=1 m=24
